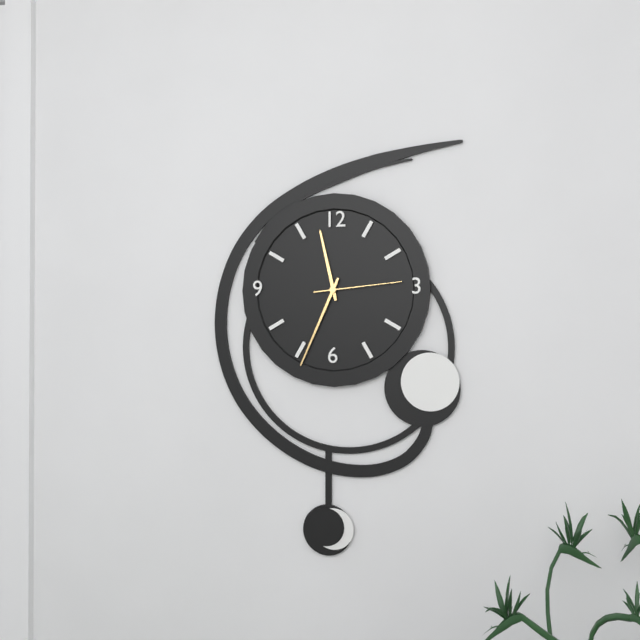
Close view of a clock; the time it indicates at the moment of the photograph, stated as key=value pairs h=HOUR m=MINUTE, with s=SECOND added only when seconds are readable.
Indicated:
h=11 m=34 s=14
